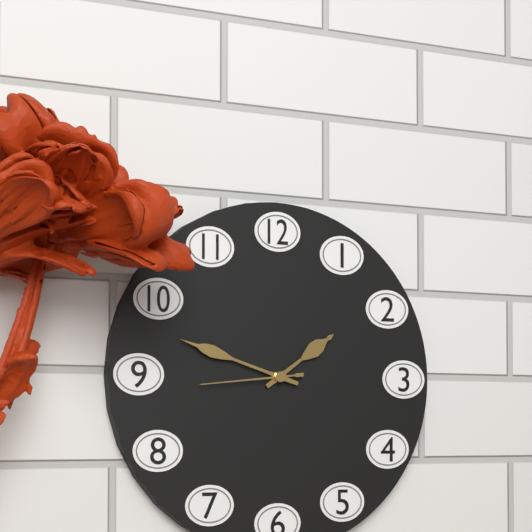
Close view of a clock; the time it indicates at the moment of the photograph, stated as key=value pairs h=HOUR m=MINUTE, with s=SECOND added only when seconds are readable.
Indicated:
h=1 m=48 s=44
